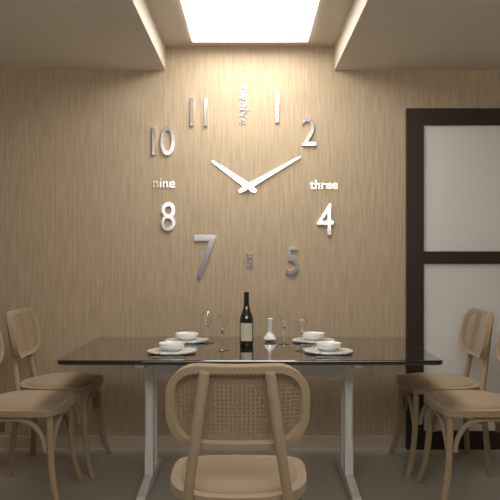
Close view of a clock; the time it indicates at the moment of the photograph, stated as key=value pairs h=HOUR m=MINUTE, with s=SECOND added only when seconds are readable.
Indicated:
h=10 m=10
